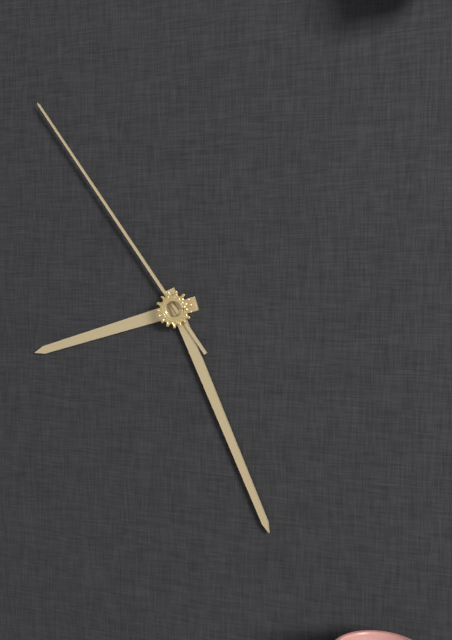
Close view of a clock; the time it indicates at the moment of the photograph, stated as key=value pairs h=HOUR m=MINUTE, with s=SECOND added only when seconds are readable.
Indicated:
h=8 m=26 s=54
